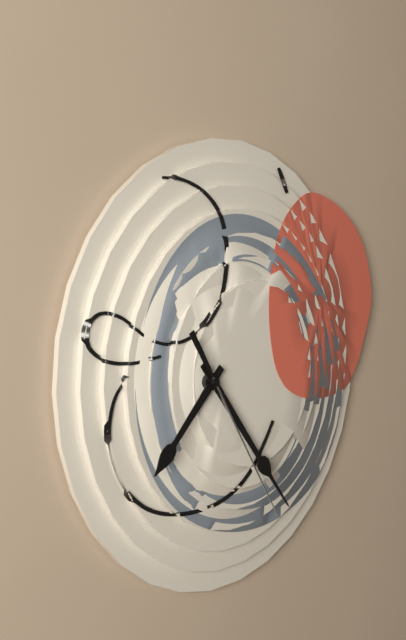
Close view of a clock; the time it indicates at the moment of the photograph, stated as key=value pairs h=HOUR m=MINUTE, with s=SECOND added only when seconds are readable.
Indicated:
h=7 m=24 s=25
